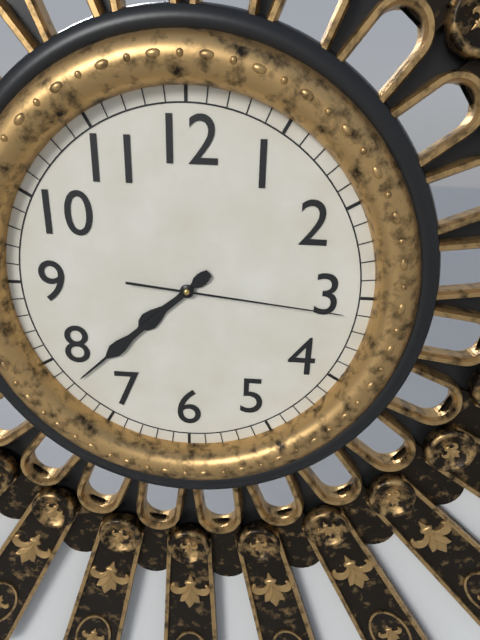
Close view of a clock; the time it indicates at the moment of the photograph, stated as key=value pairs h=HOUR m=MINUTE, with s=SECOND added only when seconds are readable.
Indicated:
h=7 m=38 s=16
